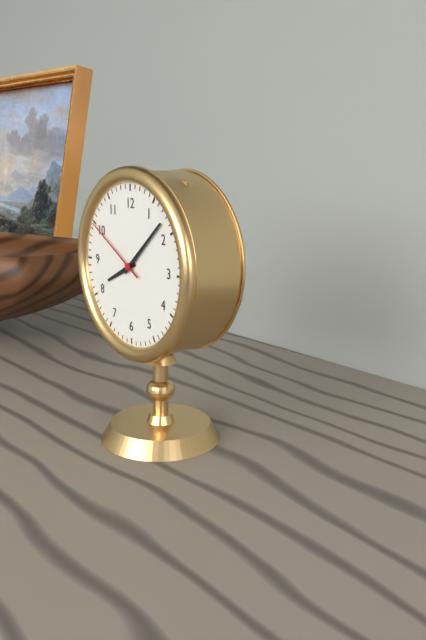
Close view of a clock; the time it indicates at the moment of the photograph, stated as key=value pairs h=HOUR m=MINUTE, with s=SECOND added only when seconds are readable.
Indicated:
h=8 m=8 s=50
